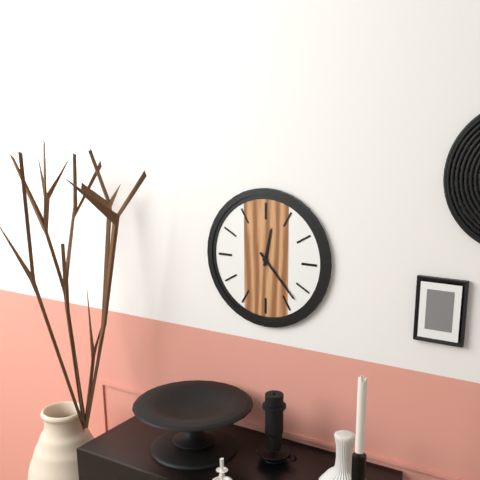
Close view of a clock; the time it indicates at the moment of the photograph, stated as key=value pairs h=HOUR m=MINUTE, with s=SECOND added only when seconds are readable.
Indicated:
h=12 m=23
